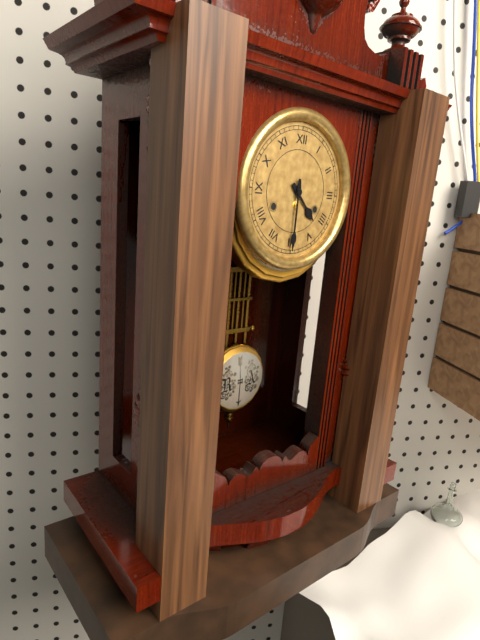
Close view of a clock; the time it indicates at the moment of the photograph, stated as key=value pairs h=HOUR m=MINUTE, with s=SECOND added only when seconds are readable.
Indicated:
h=4 m=30
